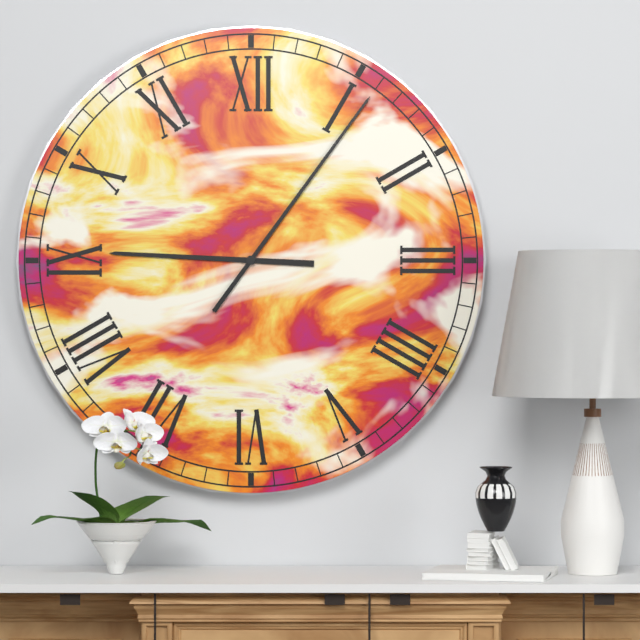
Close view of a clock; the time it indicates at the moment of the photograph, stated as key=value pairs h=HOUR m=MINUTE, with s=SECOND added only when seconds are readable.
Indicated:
h=9 m=6
